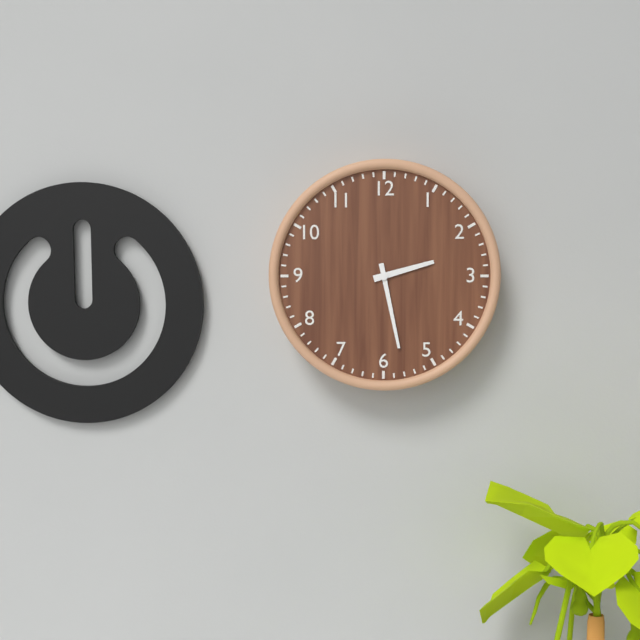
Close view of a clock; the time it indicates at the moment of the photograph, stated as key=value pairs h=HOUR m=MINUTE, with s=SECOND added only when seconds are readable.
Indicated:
h=2 m=28
